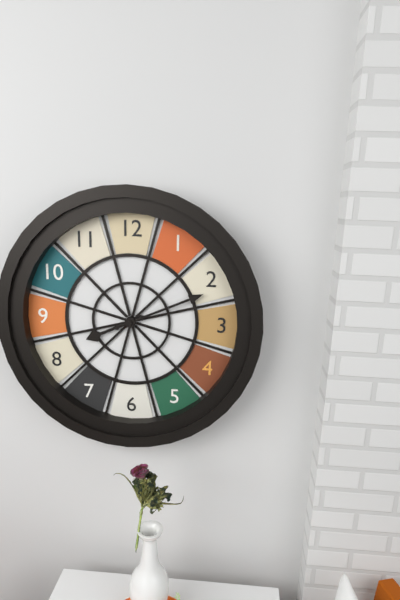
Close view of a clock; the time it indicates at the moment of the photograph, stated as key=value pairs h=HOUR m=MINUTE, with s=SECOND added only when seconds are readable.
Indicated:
h=8 m=11
